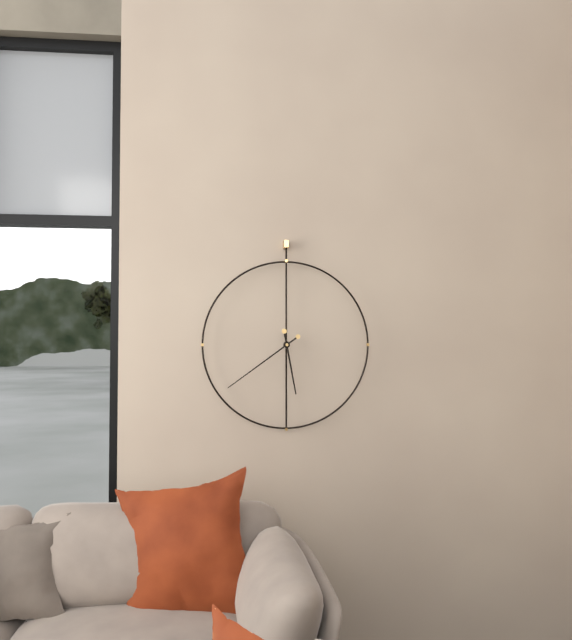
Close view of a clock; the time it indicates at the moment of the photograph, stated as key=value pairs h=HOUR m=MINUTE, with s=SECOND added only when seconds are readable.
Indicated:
h=5 m=39
